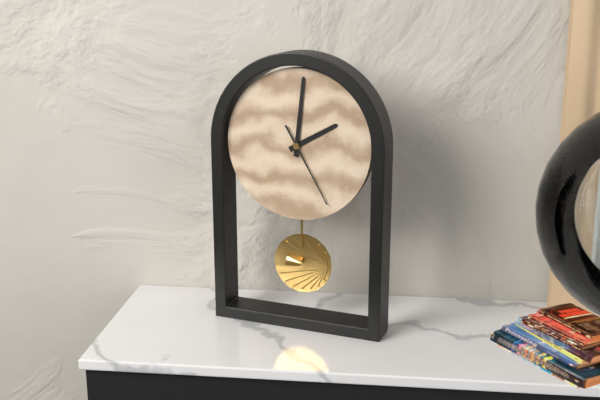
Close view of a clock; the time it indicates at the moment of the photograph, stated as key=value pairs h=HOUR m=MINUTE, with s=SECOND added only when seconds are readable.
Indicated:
h=2 m=1 s=25
